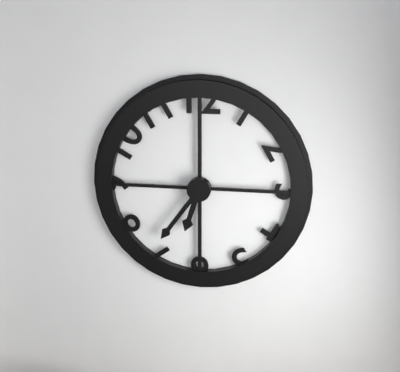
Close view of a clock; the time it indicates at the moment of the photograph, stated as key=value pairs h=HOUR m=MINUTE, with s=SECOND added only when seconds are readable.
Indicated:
h=6 m=36
